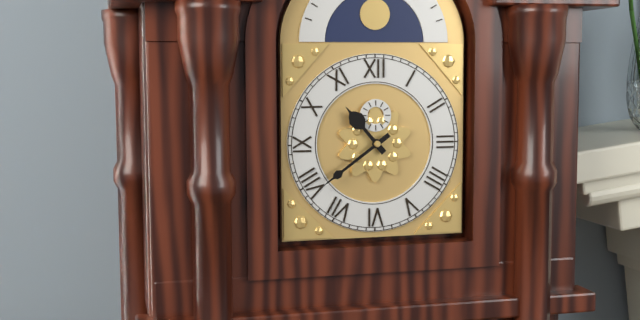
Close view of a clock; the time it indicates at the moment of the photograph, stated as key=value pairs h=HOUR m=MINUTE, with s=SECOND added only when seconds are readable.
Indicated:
h=10 m=39
